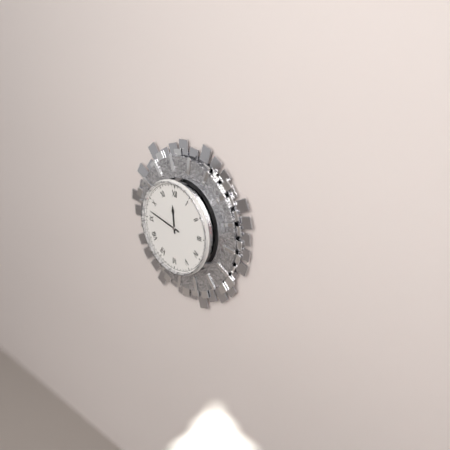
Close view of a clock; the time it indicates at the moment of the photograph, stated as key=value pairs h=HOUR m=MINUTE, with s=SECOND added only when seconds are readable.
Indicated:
h=11 m=47
